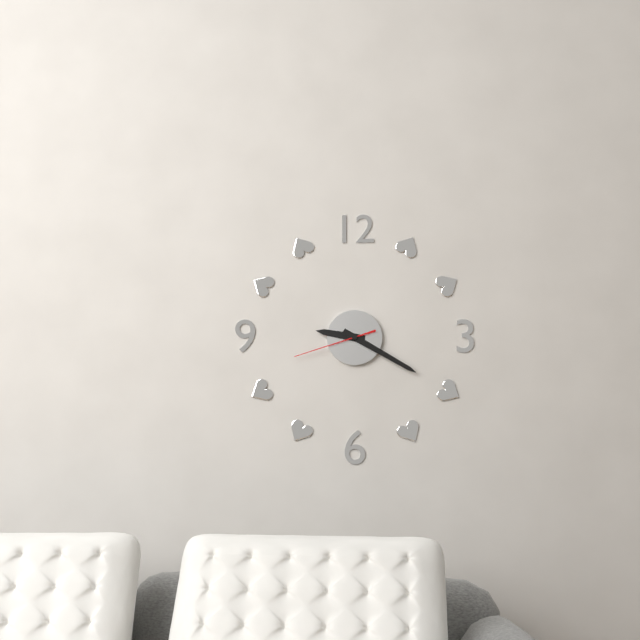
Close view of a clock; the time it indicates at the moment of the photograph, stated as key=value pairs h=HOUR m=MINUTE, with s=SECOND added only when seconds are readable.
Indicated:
h=9 m=20 s=42
